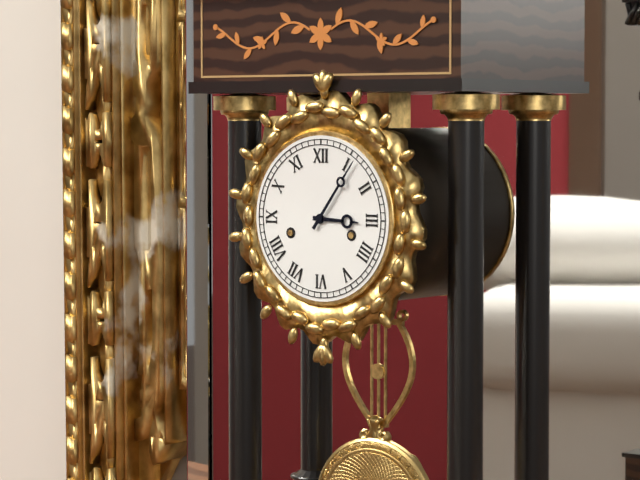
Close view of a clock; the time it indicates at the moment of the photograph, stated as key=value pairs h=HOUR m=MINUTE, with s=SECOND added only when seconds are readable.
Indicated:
h=3 m=6
